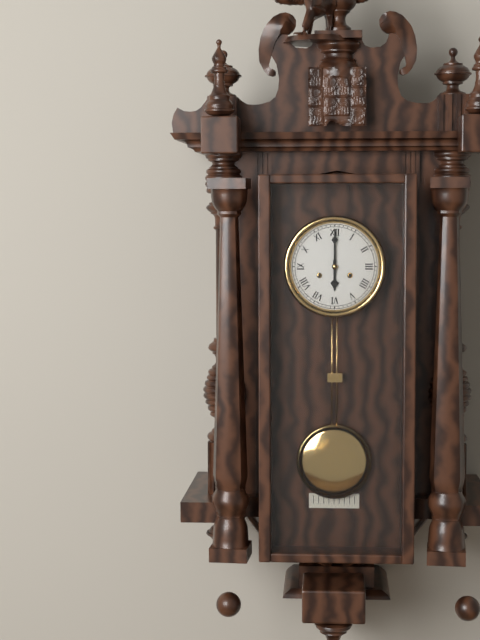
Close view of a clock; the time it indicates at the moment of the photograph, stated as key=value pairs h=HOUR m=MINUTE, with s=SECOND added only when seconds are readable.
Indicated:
h=6 m=0
